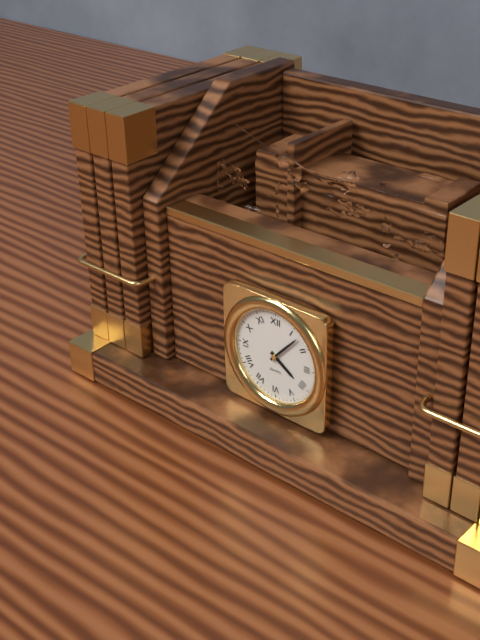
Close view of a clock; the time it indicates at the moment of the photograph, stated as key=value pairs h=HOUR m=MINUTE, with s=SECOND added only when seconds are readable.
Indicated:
h=4 m=7
